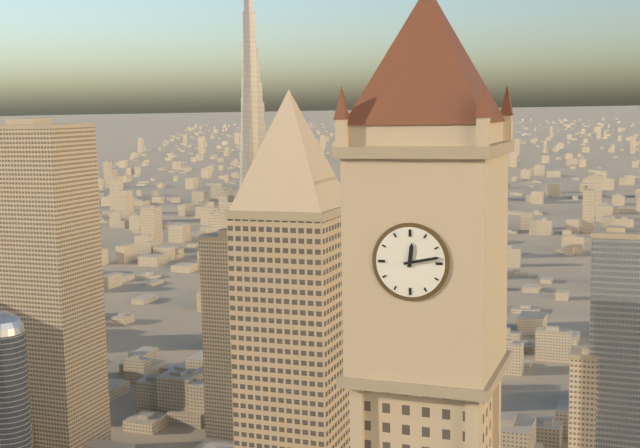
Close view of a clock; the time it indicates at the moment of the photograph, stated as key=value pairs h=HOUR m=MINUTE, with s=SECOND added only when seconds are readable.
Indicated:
h=12 m=13
